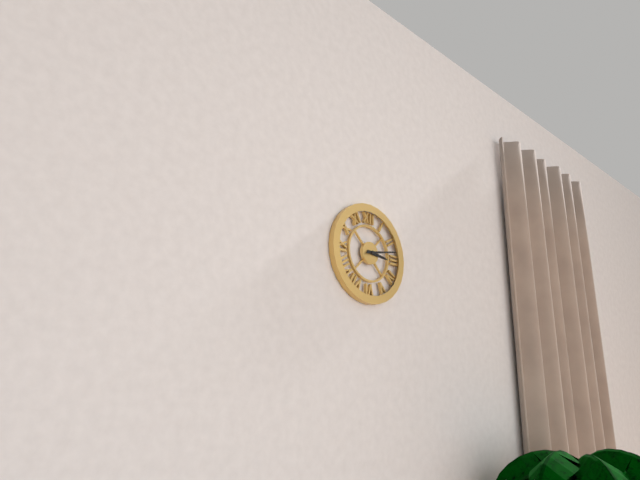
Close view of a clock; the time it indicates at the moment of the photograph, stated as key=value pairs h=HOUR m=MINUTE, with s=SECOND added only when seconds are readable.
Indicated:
h=3 m=13
